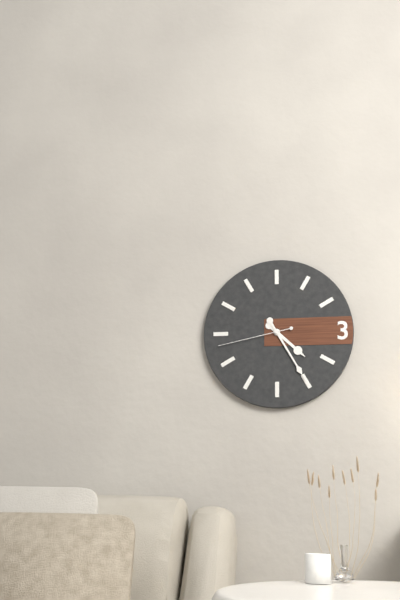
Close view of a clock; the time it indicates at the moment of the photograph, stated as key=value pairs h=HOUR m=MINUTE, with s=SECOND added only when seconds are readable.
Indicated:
h=4 m=25 s=43
